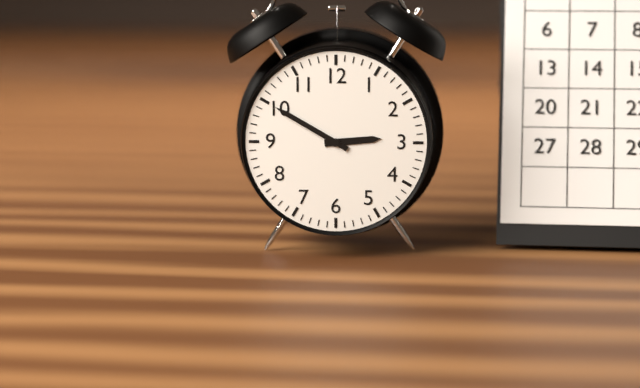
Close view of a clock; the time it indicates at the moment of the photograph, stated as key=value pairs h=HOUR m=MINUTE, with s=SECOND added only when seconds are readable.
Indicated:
h=2 m=50
